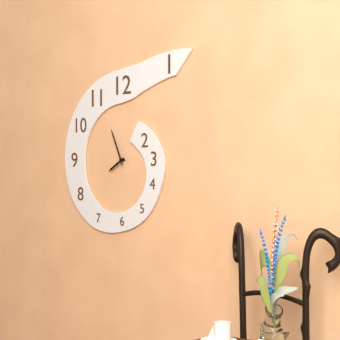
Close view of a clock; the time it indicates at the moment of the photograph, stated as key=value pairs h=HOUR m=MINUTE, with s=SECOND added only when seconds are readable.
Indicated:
h=7 m=56
